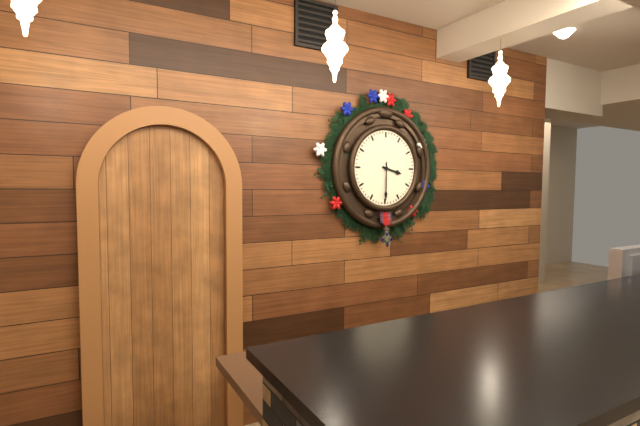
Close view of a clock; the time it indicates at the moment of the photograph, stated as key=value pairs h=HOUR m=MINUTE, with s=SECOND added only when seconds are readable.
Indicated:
h=3 m=30
